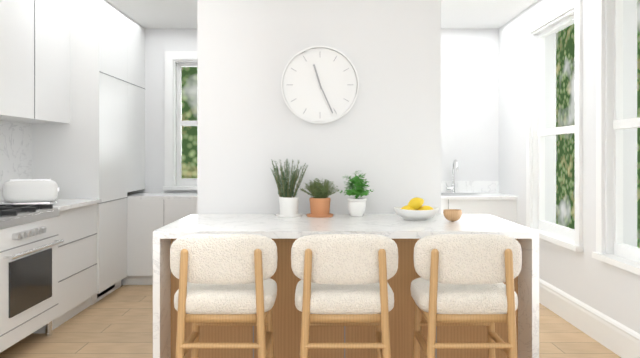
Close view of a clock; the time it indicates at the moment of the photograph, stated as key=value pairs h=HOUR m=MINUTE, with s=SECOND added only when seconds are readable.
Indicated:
h=11 m=26
